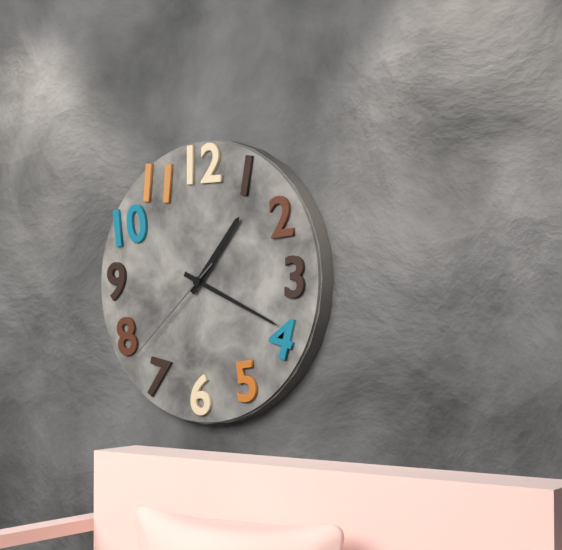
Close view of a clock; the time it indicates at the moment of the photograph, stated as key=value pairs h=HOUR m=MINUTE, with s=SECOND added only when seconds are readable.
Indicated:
h=1 m=19 s=38
